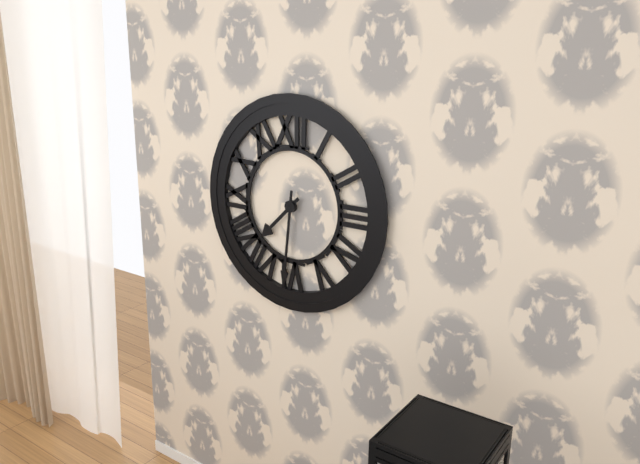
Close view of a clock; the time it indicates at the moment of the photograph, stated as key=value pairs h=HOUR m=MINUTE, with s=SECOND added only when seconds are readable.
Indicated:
h=7 m=31
